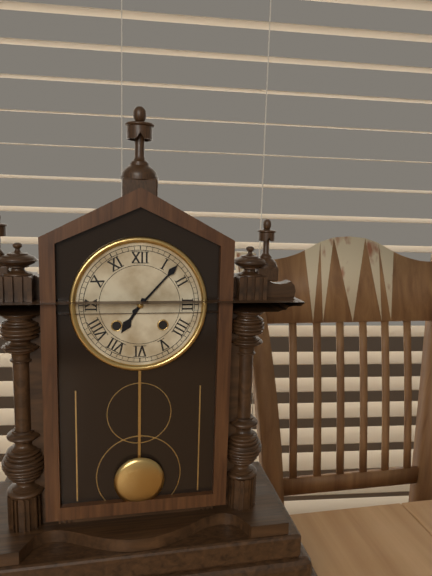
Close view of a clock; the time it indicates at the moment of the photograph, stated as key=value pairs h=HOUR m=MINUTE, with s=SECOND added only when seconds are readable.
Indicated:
h=7 m=7
